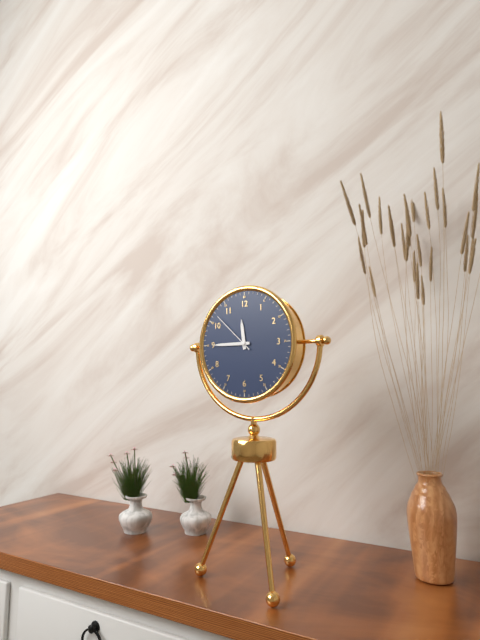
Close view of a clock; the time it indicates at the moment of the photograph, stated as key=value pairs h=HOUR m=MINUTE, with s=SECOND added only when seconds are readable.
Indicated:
h=11 m=45
